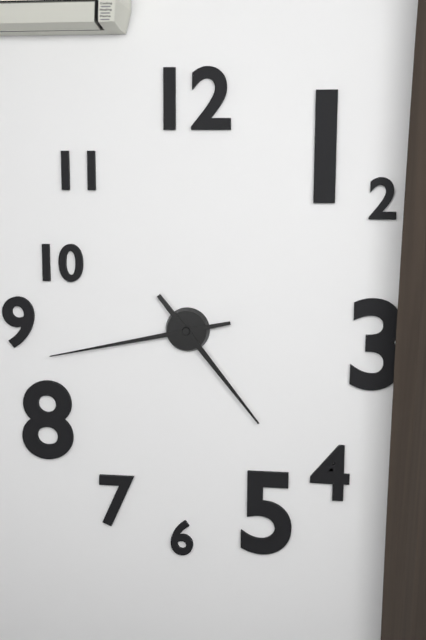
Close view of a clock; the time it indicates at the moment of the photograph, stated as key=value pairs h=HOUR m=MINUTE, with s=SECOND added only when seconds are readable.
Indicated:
h=4 m=43
